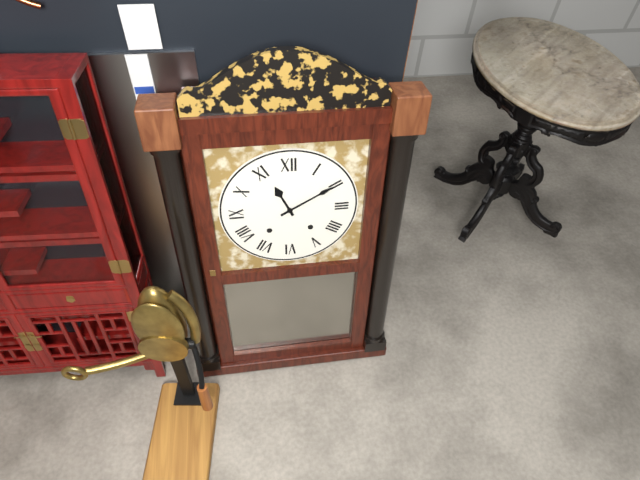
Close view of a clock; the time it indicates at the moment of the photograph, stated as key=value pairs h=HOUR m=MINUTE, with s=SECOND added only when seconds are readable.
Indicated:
h=11 m=10
